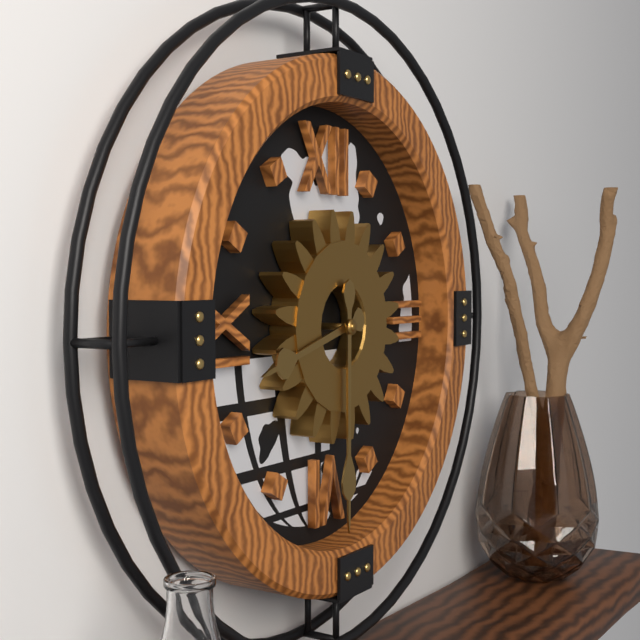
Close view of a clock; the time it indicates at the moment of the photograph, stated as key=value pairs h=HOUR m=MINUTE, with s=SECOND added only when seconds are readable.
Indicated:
h=8 m=30
